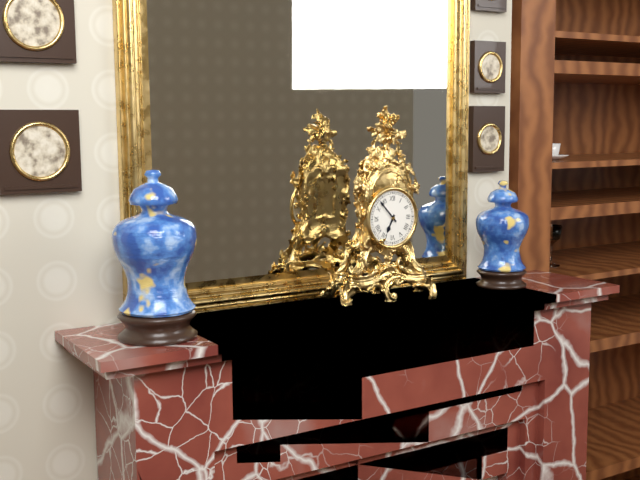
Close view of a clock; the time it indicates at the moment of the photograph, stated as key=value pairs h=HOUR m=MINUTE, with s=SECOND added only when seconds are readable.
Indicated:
h=6 m=53
